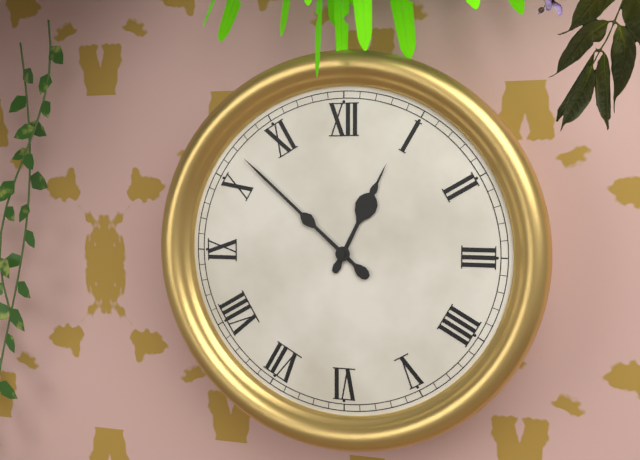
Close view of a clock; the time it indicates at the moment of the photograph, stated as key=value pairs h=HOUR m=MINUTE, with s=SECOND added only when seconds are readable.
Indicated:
h=12 m=52
